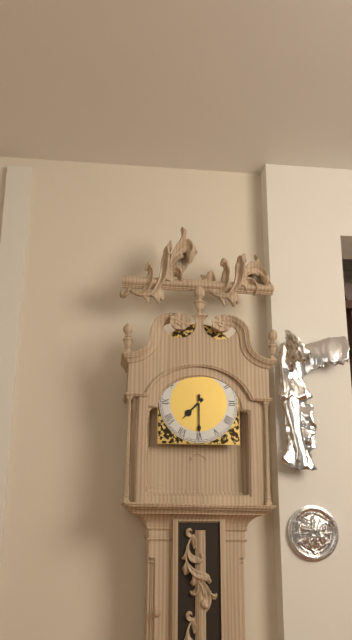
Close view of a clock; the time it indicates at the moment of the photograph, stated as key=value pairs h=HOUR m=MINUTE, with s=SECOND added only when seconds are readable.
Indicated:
h=7 m=30
